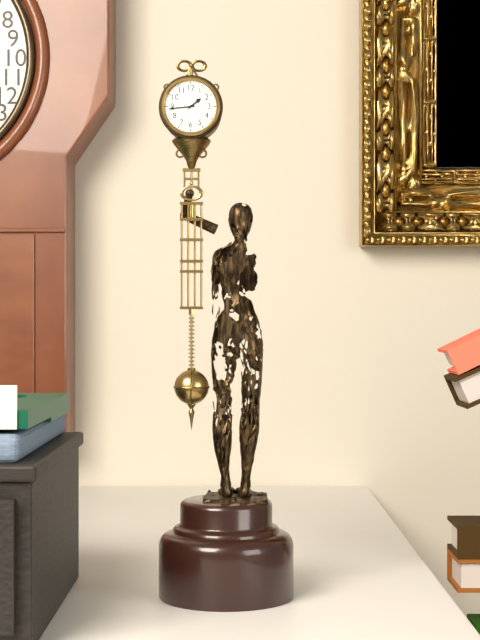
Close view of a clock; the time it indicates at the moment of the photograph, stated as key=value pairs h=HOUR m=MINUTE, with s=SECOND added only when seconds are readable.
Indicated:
h=1 m=44
